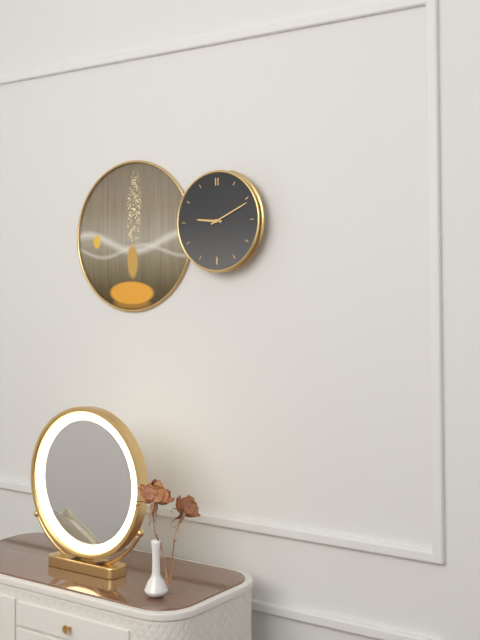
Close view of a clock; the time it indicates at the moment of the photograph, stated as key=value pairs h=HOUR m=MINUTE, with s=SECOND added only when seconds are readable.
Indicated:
h=9 m=11
